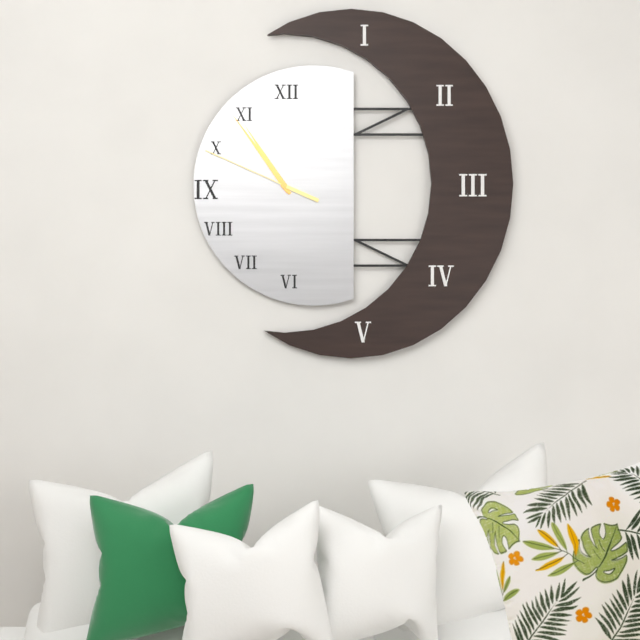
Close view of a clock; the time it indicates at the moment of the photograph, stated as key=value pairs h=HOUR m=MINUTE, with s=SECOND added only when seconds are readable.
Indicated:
h=10 m=54 s=49
